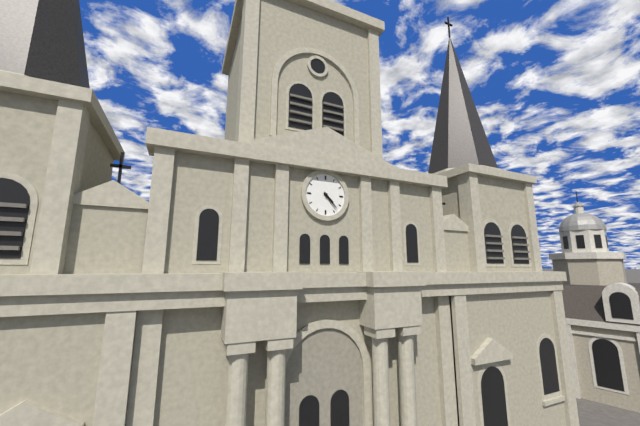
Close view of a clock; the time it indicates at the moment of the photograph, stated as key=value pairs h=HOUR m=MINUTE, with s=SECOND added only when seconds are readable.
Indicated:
h=4 m=23
